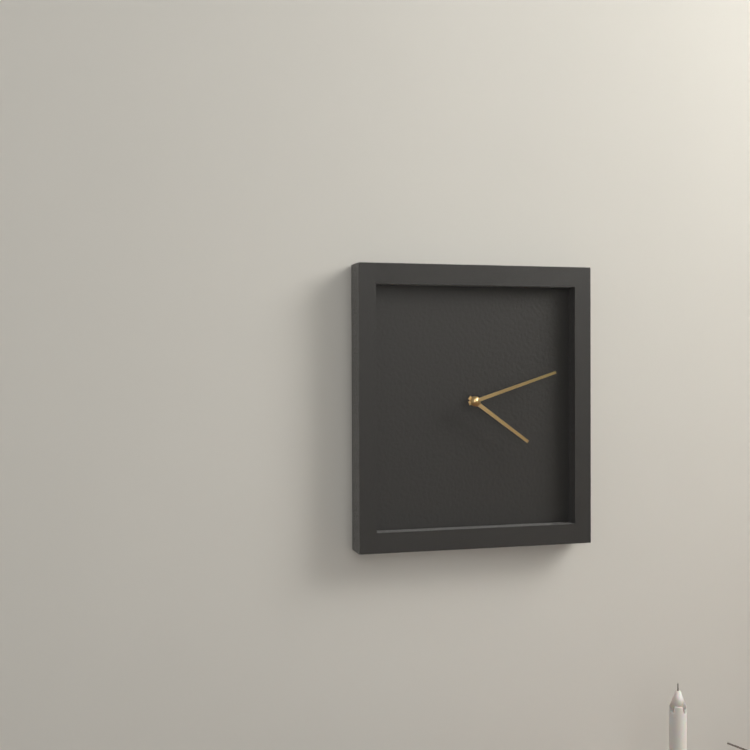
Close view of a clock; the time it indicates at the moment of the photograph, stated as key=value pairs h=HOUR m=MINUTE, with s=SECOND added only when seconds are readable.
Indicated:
h=4 m=12
